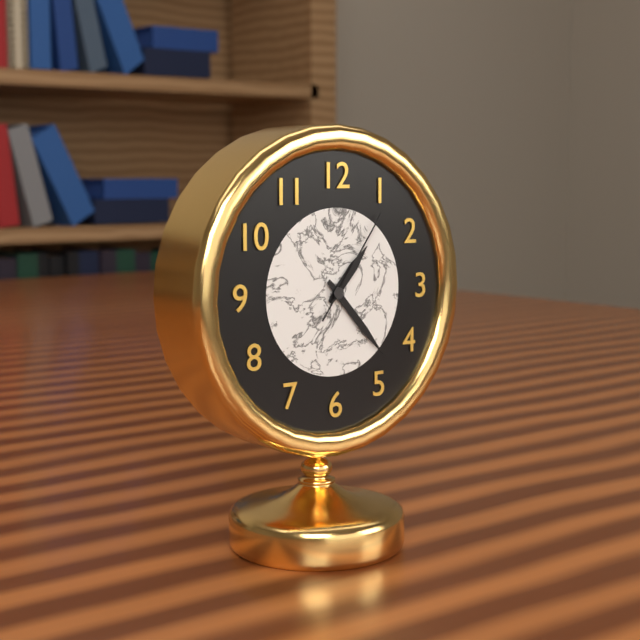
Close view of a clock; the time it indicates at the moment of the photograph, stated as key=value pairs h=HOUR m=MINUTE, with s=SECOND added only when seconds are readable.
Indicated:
h=1 m=23 s=6
